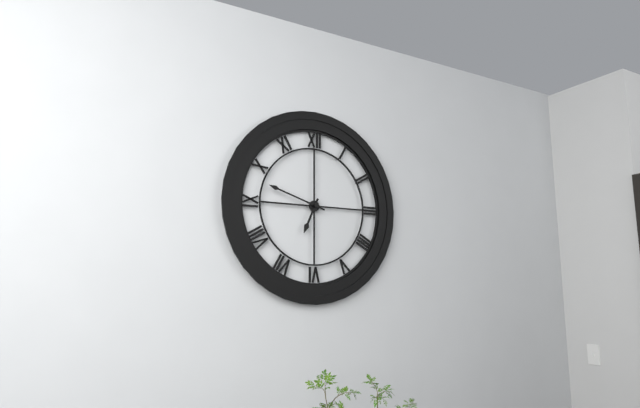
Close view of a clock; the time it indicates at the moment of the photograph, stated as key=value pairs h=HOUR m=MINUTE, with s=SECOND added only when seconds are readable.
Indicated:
h=6 m=48
